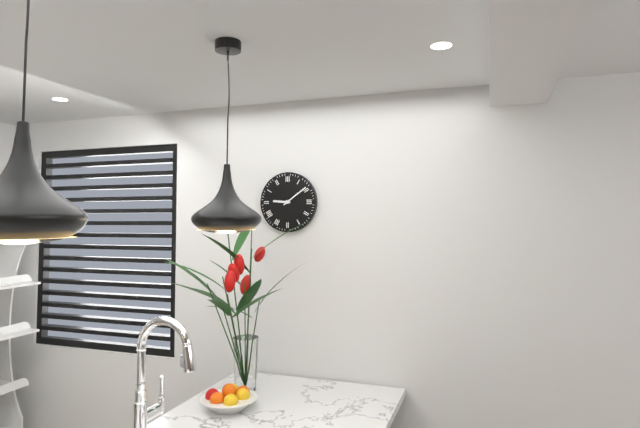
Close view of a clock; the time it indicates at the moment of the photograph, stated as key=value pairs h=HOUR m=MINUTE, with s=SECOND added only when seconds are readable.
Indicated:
h=9 m=9
